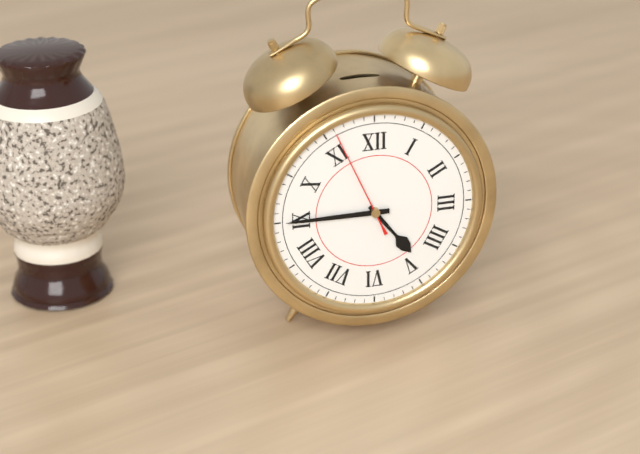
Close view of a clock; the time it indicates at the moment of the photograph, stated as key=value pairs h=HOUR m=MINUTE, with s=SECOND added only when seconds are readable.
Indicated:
h=4 m=45 s=56
